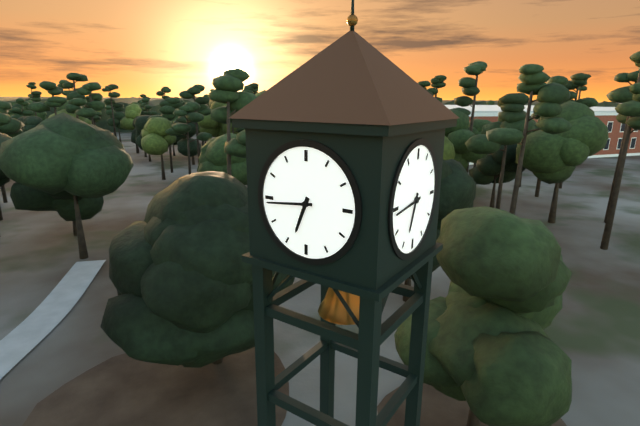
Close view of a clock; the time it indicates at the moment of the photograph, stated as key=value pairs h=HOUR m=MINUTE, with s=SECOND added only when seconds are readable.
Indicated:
h=6 m=44
